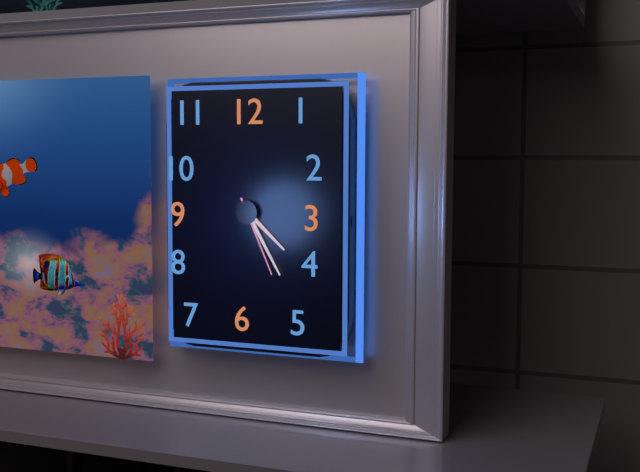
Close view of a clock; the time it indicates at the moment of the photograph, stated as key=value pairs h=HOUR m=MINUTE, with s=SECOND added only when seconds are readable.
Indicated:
h=4 m=25 s=26
